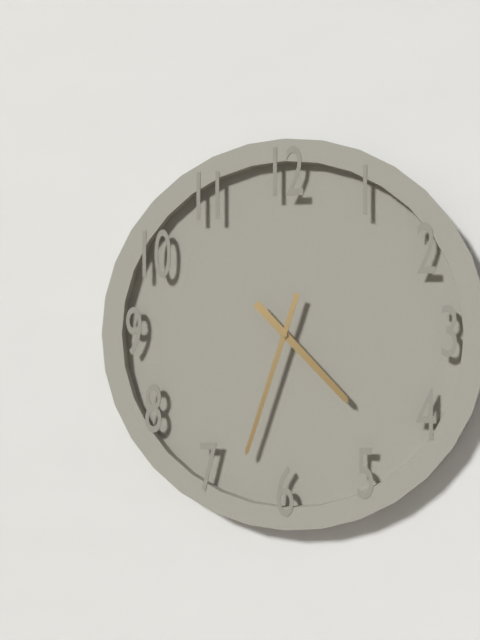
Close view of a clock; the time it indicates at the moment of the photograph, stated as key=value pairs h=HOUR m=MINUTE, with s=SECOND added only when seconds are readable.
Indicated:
h=4 m=33
